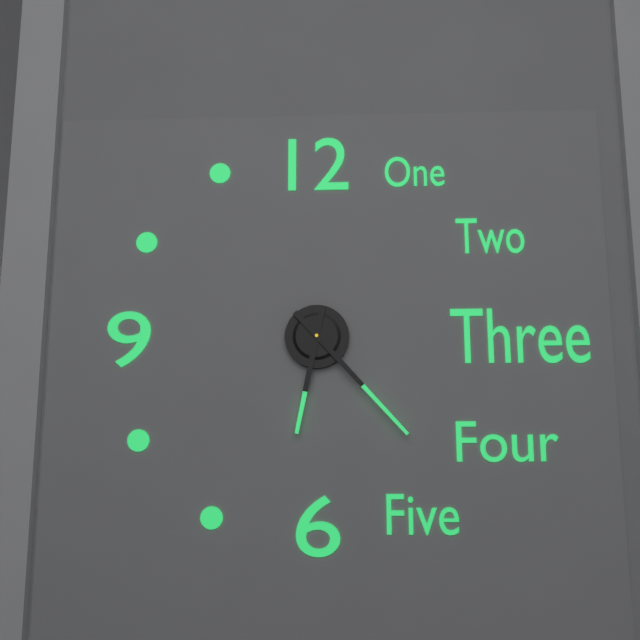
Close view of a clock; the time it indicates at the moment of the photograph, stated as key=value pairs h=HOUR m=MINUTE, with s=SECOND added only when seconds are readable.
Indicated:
h=6 m=23
